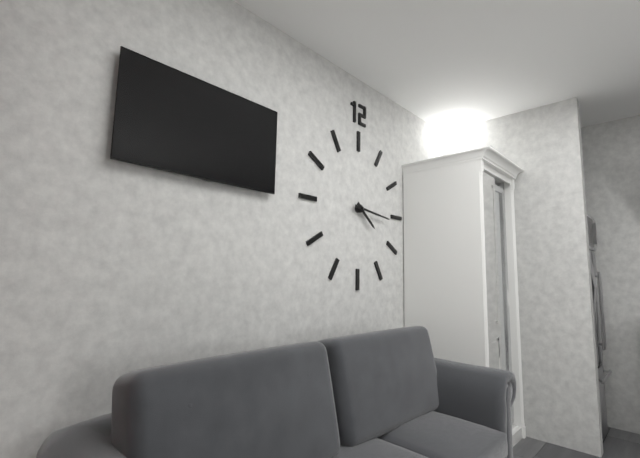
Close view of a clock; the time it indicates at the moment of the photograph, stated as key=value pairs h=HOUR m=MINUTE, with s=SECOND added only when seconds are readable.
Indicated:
h=4 m=16
